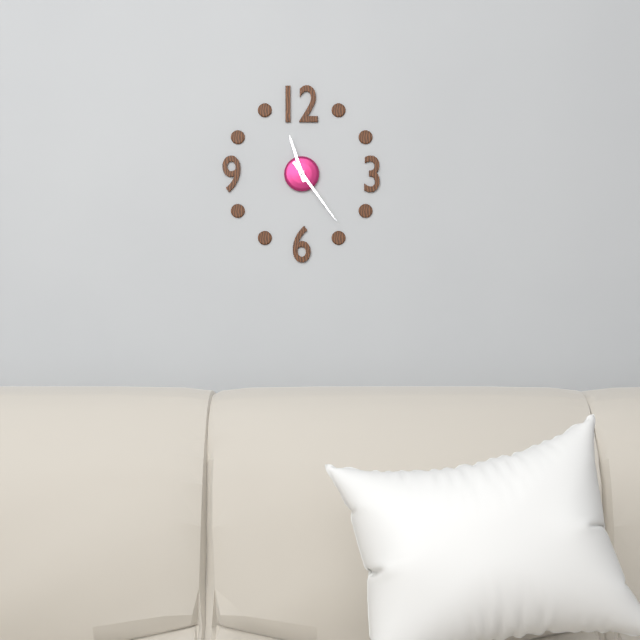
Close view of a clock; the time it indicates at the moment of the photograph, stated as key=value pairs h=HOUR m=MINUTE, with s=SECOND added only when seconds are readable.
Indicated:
h=11 m=24
